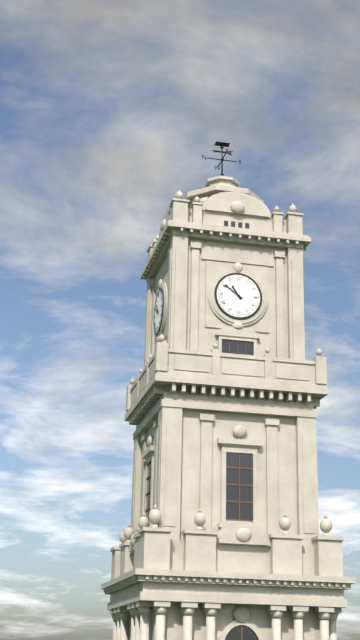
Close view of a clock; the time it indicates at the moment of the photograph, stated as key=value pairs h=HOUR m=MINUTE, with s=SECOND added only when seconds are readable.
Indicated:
h=10 m=51
